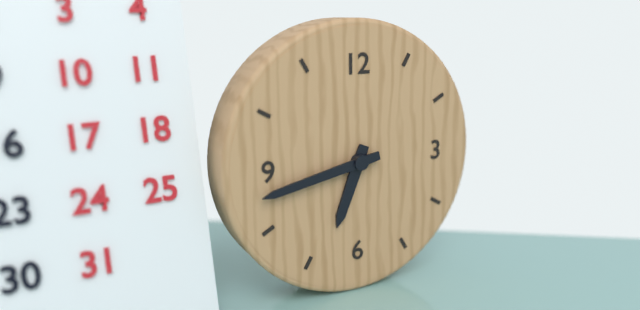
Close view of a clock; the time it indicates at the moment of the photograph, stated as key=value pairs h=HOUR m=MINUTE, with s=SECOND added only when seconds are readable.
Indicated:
h=6 m=43
